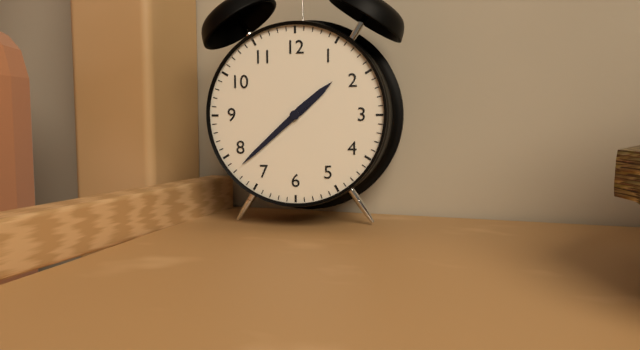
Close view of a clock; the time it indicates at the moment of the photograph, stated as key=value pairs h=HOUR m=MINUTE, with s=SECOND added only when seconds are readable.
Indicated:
h=1 m=38
